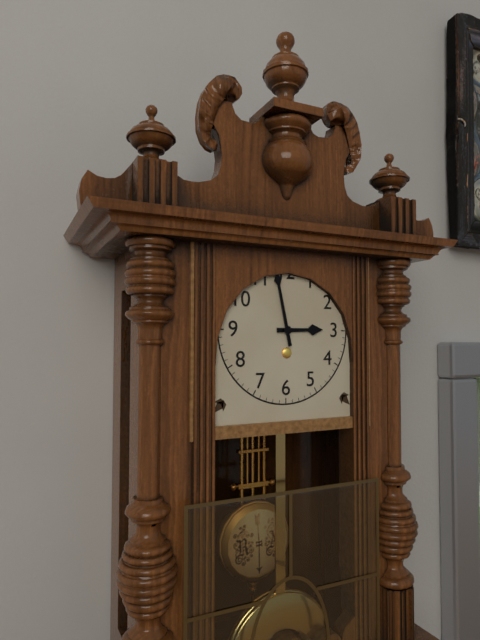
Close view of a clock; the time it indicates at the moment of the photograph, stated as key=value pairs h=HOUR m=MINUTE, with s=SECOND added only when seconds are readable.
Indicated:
h=2 m=58
